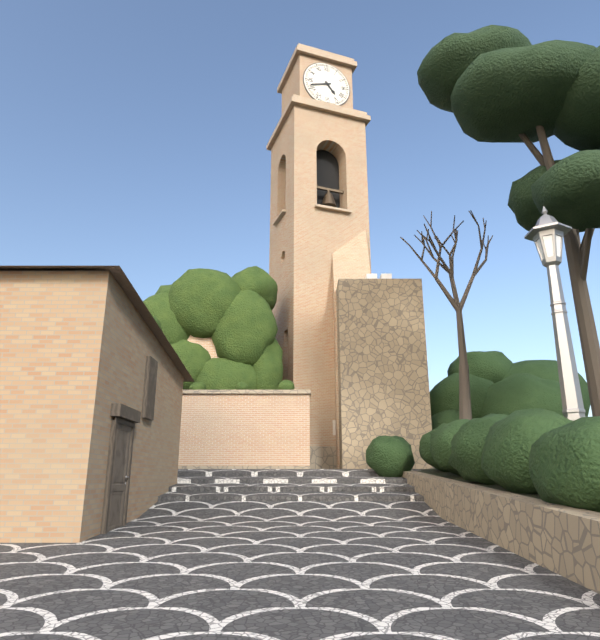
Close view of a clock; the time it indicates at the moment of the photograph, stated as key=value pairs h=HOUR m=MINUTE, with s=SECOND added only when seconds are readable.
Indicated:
h=4 m=42
